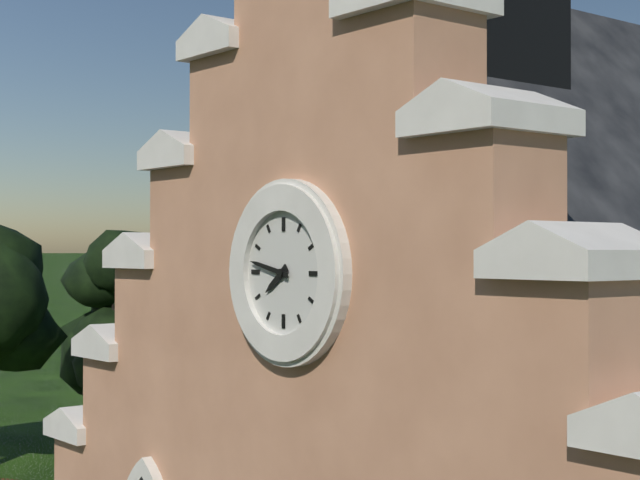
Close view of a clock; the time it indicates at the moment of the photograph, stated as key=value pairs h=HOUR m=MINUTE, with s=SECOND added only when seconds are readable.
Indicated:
h=7 m=47
